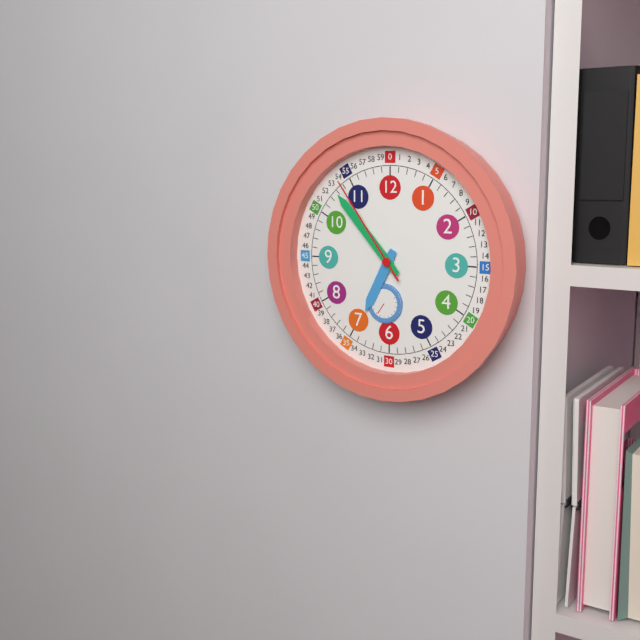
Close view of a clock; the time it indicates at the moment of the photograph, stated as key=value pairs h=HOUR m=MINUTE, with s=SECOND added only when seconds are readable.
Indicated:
h=6 m=53 s=54
